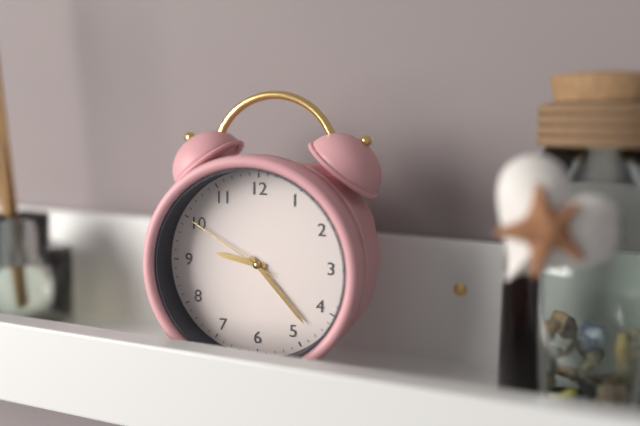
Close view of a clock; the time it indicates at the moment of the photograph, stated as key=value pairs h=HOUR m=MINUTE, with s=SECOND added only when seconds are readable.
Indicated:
h=9 m=23 s=50
